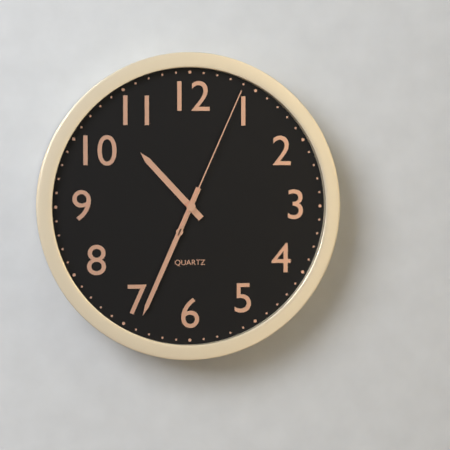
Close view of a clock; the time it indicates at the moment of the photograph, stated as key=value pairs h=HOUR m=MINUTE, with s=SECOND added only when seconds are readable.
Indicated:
h=10 m=34 s=4
